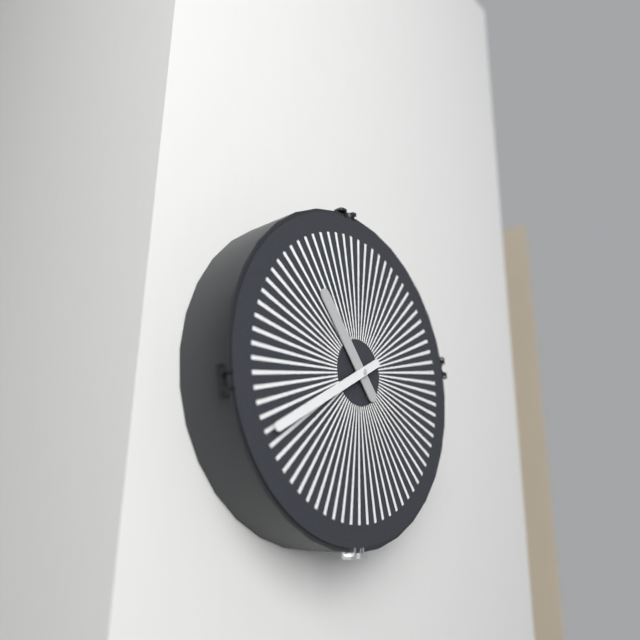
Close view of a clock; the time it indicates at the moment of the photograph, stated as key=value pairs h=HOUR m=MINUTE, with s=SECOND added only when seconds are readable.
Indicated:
h=10 m=40
